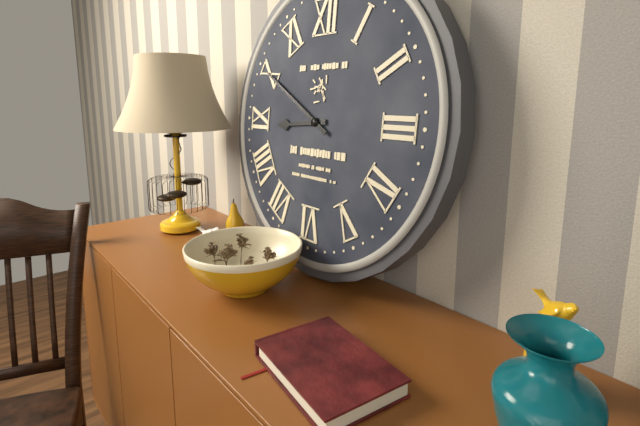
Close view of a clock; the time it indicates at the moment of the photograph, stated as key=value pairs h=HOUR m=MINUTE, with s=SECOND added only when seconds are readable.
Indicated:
h=8 m=50
